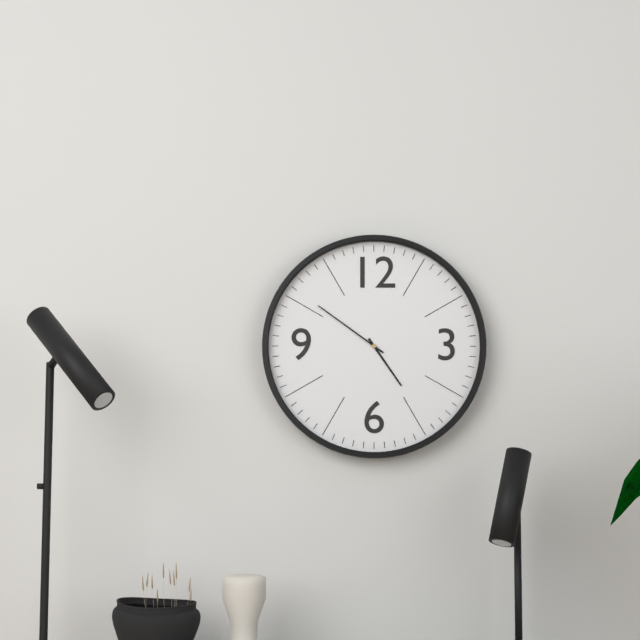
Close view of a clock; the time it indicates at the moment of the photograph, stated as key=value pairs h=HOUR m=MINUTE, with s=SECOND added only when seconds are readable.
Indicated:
h=4 m=51
